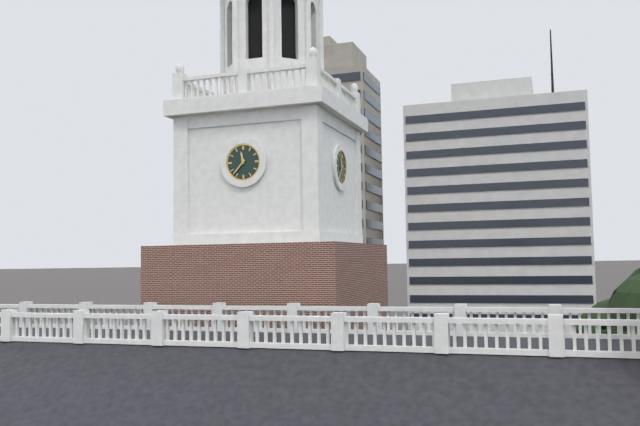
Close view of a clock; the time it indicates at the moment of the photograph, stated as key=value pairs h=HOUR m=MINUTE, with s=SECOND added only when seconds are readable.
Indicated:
h=11 m=37
